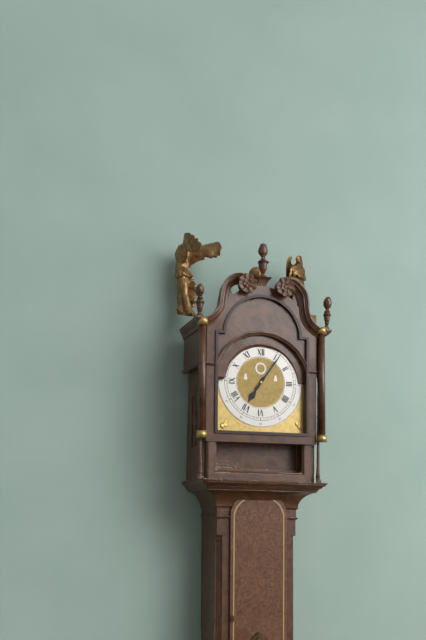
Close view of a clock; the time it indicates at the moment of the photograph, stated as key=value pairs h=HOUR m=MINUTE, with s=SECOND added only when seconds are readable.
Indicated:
h=7 m=6
